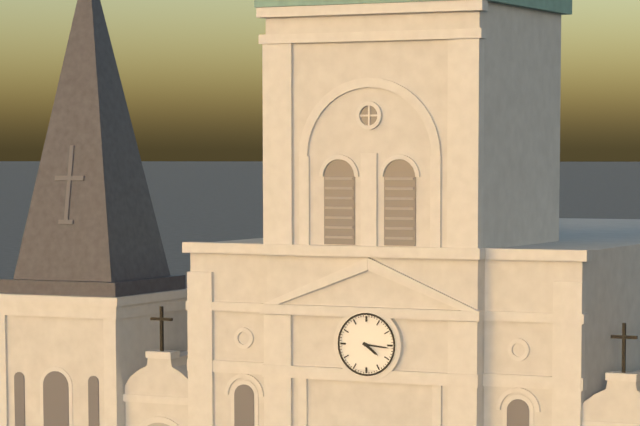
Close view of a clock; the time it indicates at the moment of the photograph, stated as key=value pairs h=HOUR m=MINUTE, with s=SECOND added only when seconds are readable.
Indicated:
h=4 m=16
